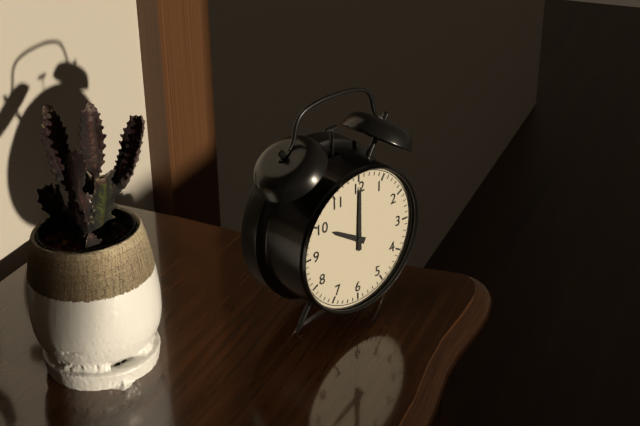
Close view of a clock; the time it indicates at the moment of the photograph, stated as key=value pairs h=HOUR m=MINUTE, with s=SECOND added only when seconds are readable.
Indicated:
h=10 m=0
